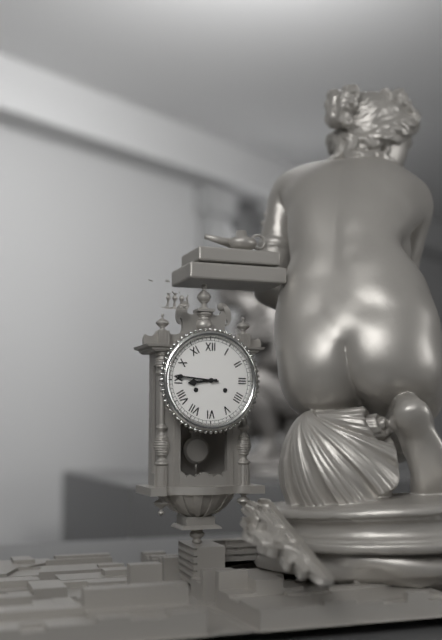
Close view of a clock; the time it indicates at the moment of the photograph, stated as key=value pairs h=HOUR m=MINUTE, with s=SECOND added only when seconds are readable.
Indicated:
h=8 m=46
